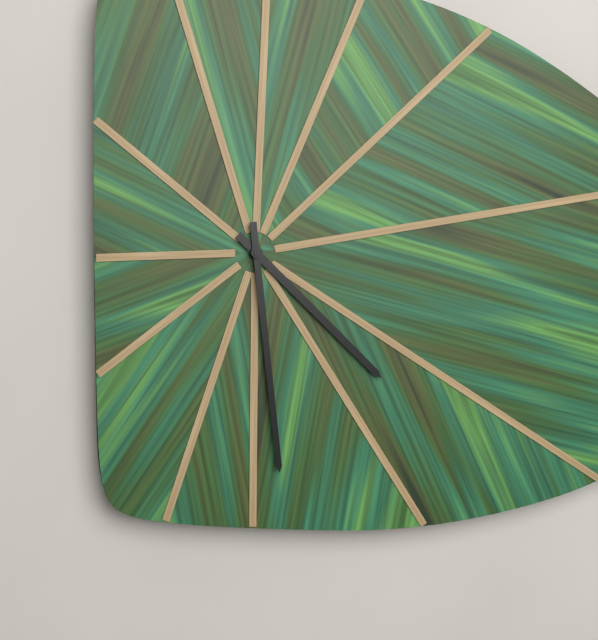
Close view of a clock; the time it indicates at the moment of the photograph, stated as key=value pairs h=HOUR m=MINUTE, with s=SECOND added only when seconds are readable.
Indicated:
h=4 m=29
